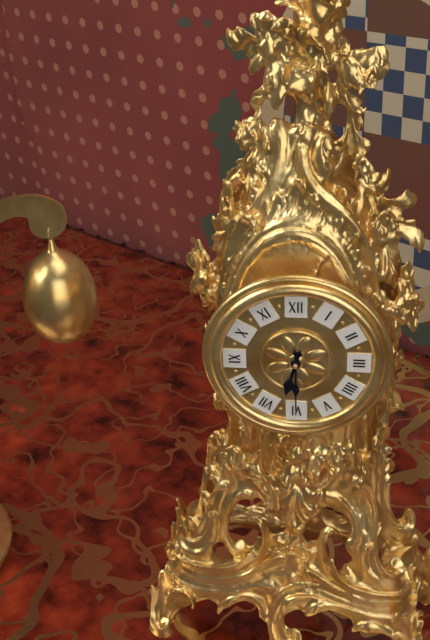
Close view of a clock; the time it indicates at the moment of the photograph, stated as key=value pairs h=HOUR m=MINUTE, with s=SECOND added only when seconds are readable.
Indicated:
h=6 m=30
